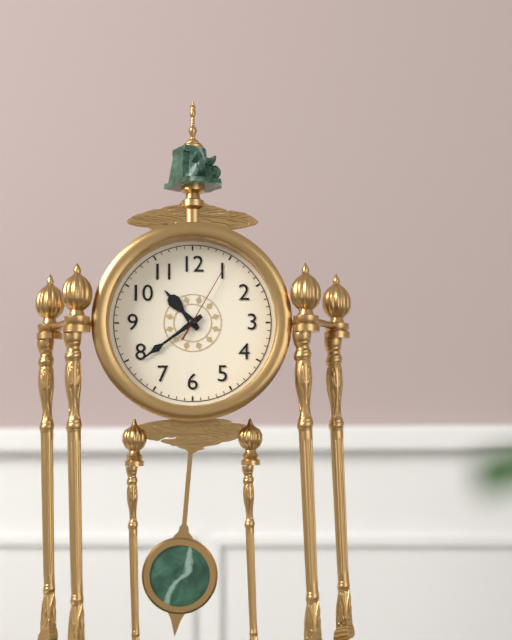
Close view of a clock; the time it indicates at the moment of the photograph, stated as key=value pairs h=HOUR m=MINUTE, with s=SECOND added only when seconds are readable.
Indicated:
h=10 m=39 s=5
